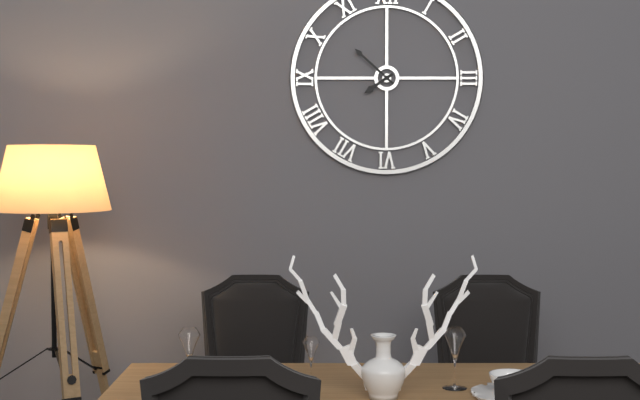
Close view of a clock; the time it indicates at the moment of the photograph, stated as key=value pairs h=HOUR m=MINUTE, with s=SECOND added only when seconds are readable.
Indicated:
h=7 m=52
